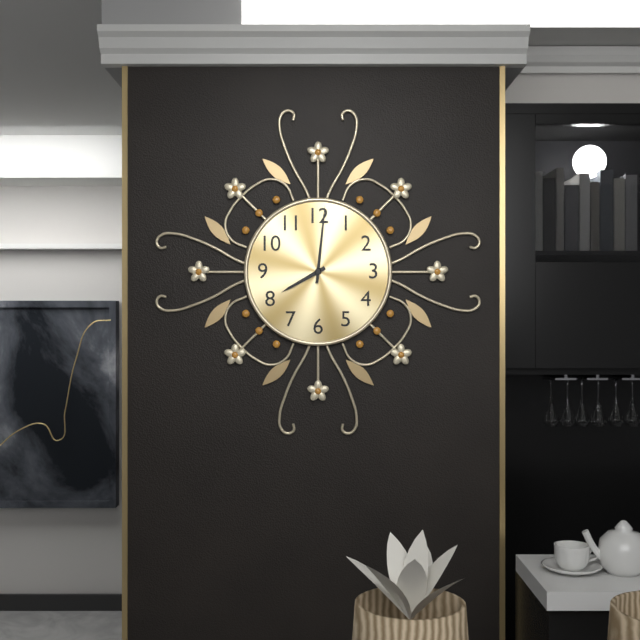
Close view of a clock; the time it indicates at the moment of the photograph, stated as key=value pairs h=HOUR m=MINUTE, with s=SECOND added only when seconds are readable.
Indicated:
h=8 m=1
